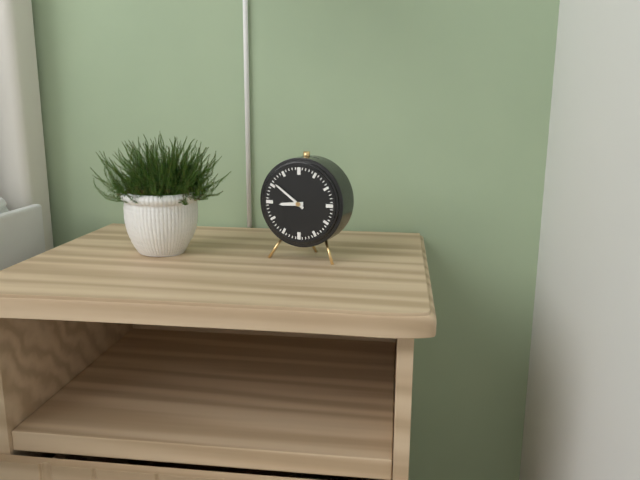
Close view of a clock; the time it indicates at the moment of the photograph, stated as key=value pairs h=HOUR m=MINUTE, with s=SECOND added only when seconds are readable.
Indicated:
h=8 m=51
